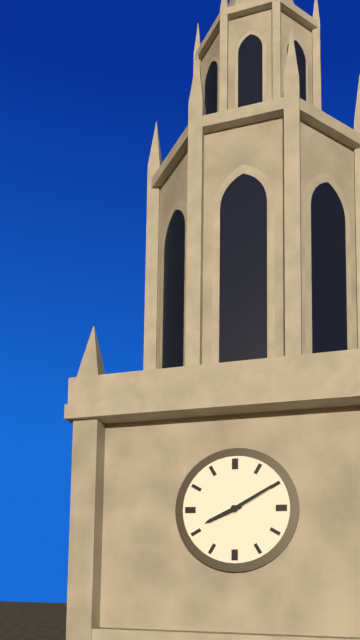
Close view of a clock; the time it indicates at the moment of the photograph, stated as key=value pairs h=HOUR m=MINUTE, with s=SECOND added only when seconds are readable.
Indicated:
h=8 m=10
